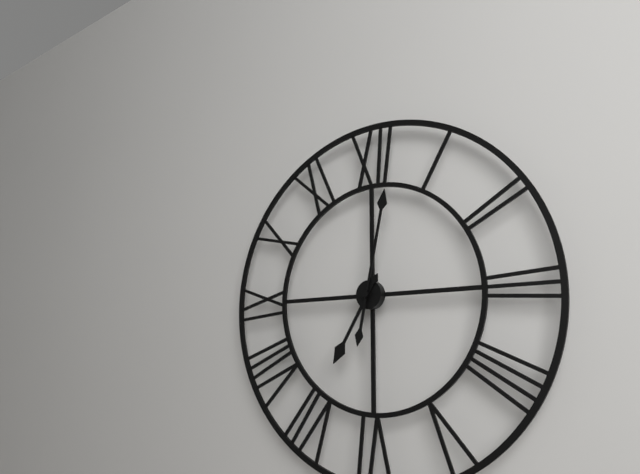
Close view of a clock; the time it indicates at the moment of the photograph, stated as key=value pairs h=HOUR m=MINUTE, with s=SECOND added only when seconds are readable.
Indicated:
h=7 m=2
